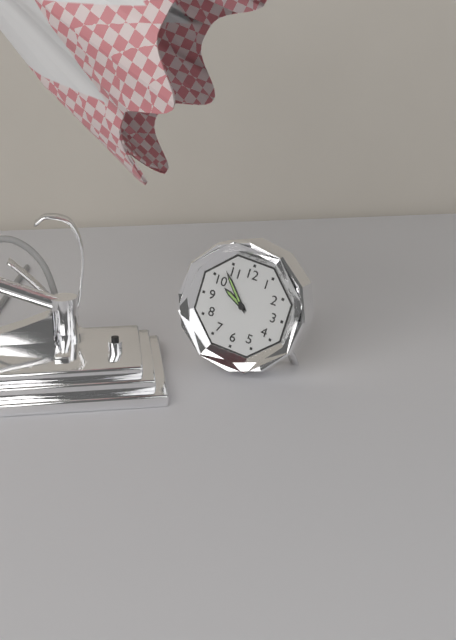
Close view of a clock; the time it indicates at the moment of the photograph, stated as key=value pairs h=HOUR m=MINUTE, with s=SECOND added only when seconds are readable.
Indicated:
h=9 m=53
